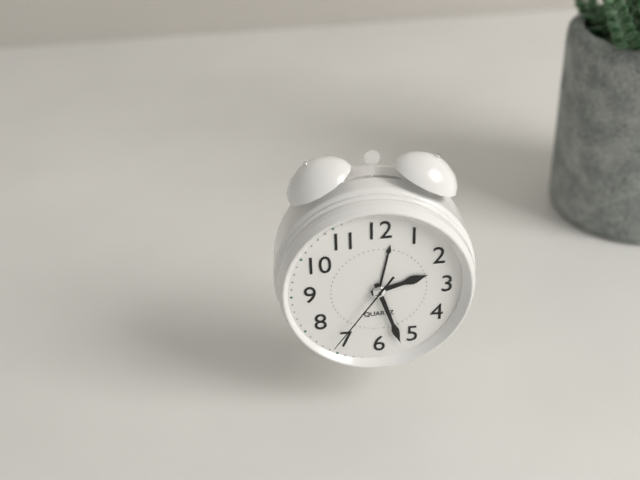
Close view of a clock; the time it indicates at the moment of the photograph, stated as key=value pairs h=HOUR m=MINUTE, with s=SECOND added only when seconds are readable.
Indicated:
h=2 m=27 s=36
